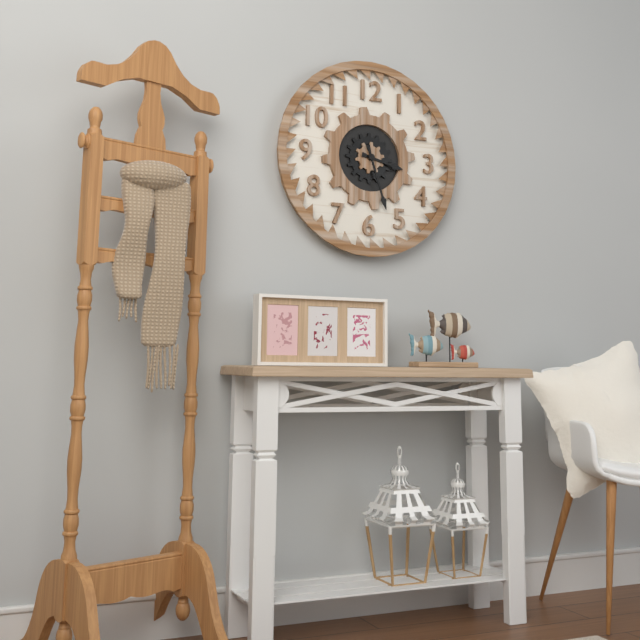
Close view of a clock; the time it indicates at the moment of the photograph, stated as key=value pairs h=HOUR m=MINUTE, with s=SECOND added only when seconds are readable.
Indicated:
h=3 m=27
